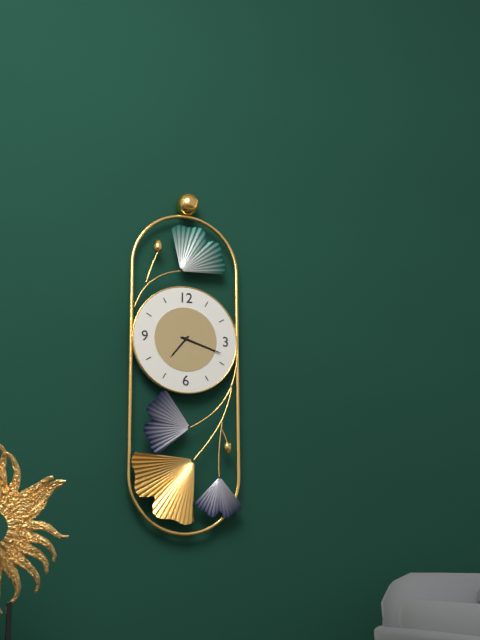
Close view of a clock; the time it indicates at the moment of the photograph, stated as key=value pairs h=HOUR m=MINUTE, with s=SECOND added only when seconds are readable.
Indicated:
h=7 m=18
